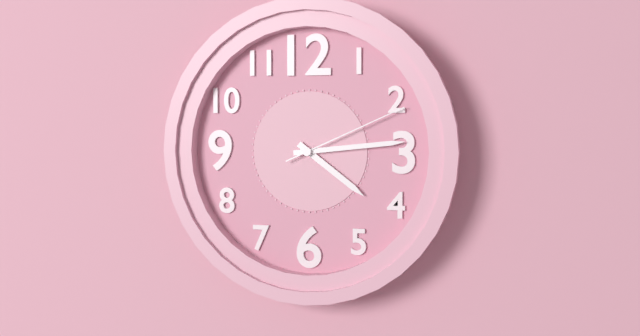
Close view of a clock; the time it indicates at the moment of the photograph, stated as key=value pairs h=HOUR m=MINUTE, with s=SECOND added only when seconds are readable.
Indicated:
h=4 m=14 s=11
